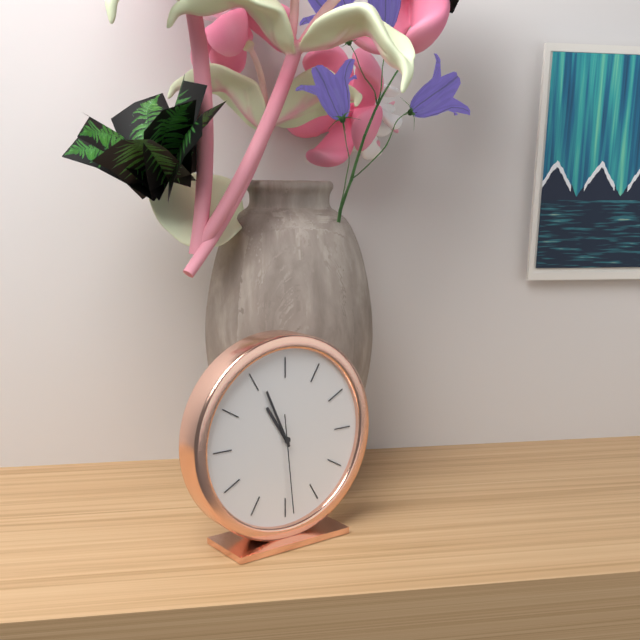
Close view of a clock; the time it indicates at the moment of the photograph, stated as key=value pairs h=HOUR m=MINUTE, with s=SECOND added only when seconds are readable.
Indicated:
h=10 m=56 s=29
